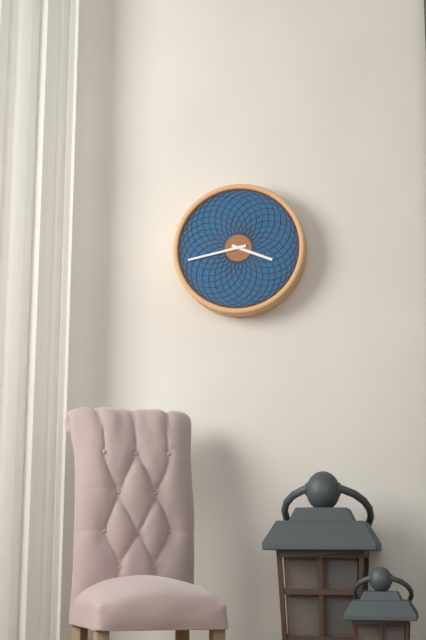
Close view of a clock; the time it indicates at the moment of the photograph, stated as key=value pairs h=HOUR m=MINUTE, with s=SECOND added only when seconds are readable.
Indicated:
h=3 m=43
